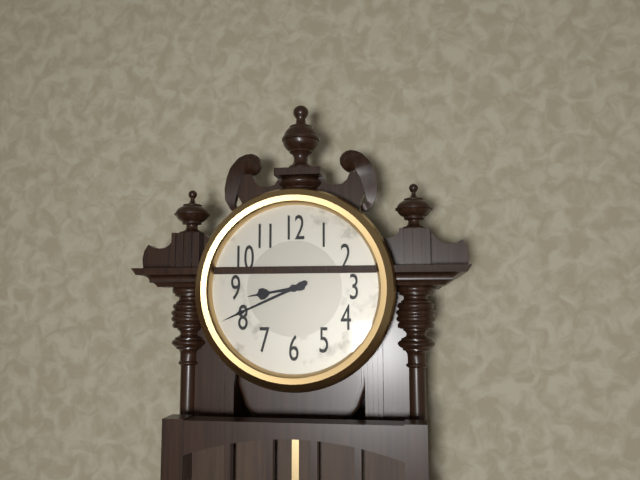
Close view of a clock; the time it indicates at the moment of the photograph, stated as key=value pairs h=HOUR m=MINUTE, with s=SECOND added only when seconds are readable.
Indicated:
h=8 m=41
